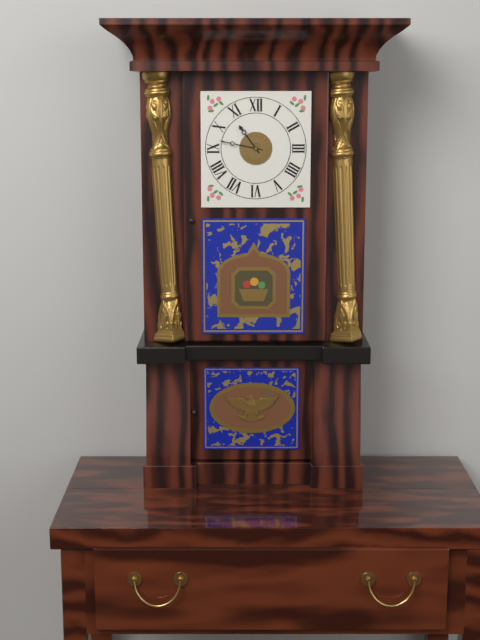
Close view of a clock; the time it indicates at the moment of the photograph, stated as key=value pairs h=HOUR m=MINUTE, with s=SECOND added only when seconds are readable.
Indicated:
h=10 m=47
